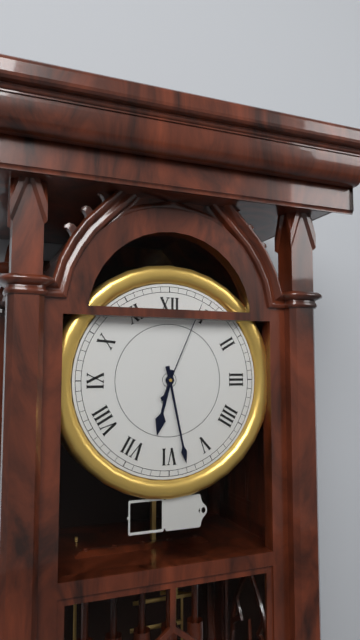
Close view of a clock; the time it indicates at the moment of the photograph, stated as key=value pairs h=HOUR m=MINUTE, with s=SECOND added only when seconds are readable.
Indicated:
h=6 m=28 s=4
